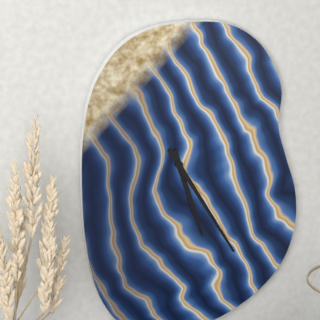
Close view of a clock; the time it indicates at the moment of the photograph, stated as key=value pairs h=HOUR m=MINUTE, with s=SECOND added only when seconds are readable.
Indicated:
h=5 m=25
